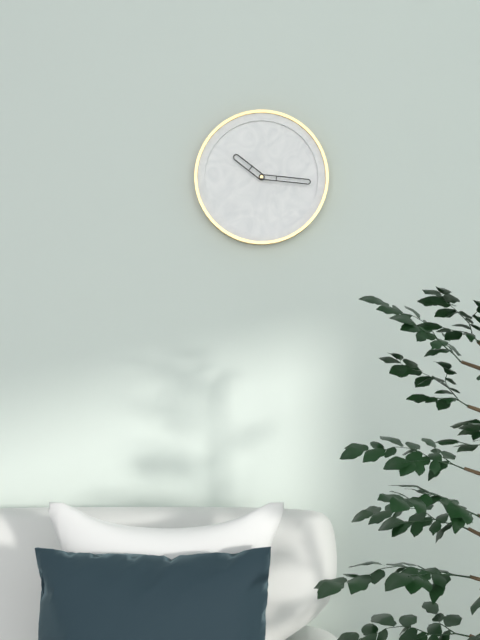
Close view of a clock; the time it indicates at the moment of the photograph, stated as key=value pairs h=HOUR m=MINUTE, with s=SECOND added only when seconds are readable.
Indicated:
h=10 m=16
